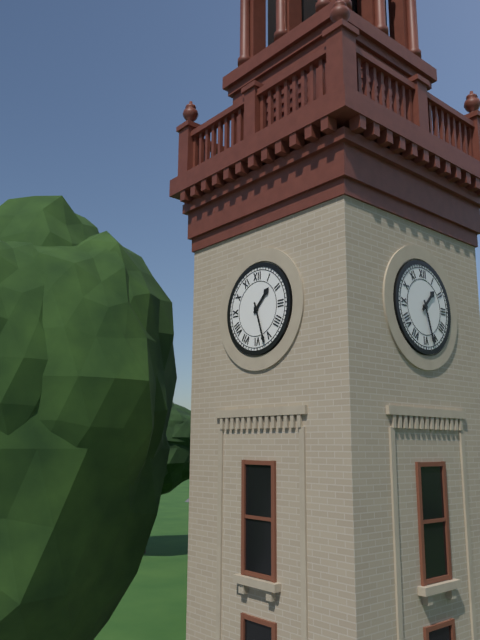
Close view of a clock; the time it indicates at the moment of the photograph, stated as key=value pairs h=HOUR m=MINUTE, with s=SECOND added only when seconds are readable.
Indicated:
h=1 m=27
